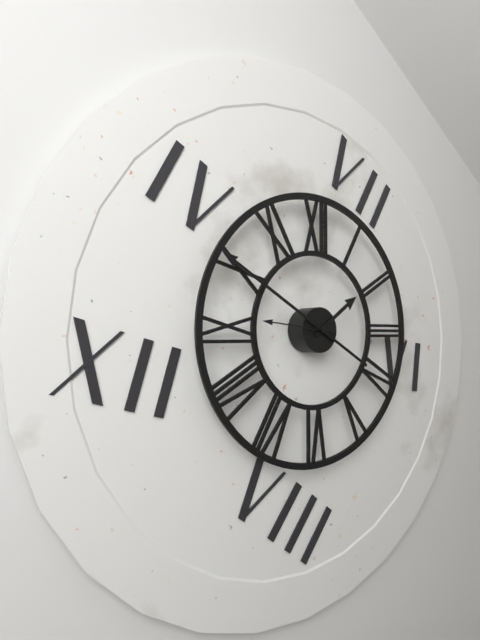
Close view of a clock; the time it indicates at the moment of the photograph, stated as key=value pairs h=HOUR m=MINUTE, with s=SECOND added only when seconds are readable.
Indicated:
h=1 m=50
